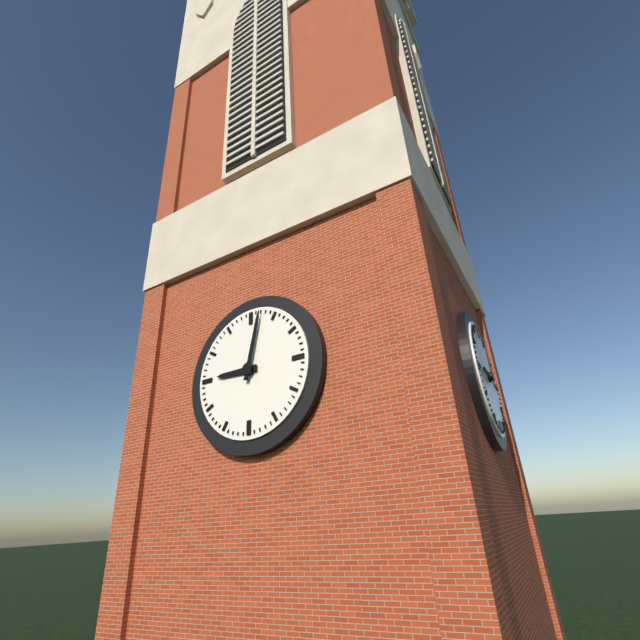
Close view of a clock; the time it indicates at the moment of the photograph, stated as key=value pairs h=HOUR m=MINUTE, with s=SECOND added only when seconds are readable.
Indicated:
h=9 m=2
